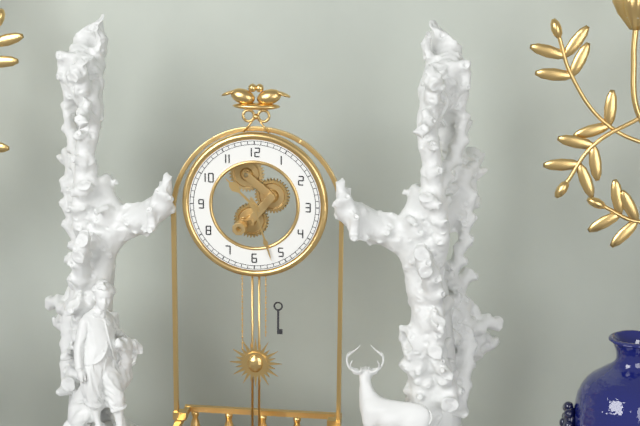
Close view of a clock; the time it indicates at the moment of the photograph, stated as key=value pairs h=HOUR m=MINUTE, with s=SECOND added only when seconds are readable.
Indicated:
h=10 m=27
